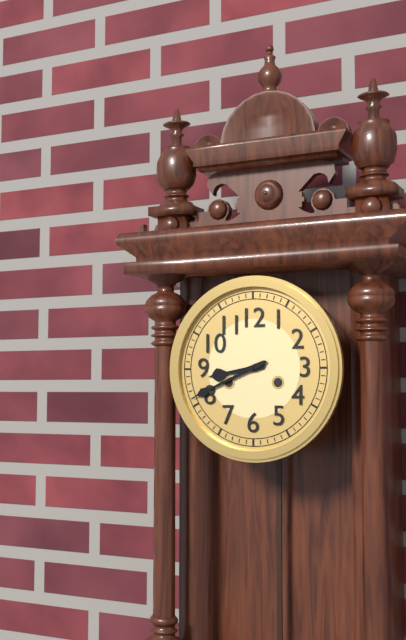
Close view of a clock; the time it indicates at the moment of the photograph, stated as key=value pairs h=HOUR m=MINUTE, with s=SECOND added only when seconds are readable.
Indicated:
h=8 m=41
